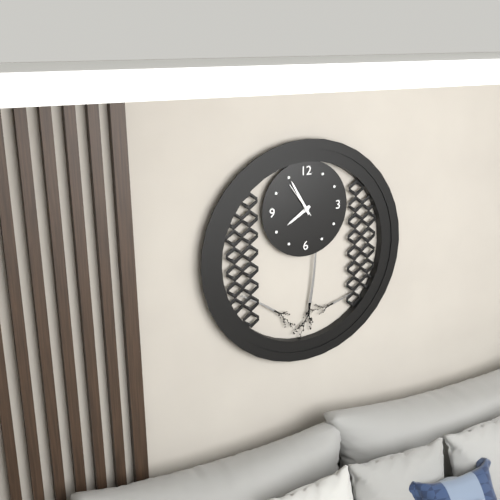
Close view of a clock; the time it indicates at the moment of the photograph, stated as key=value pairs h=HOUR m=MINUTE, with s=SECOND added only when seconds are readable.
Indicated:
h=7 m=55
